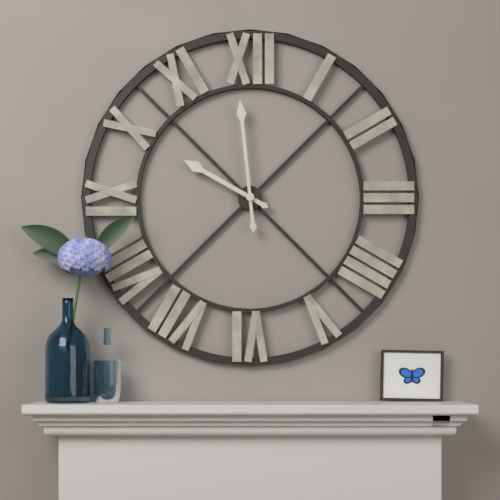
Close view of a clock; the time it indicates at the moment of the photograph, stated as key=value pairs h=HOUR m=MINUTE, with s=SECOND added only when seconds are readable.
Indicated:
h=9 m=59
